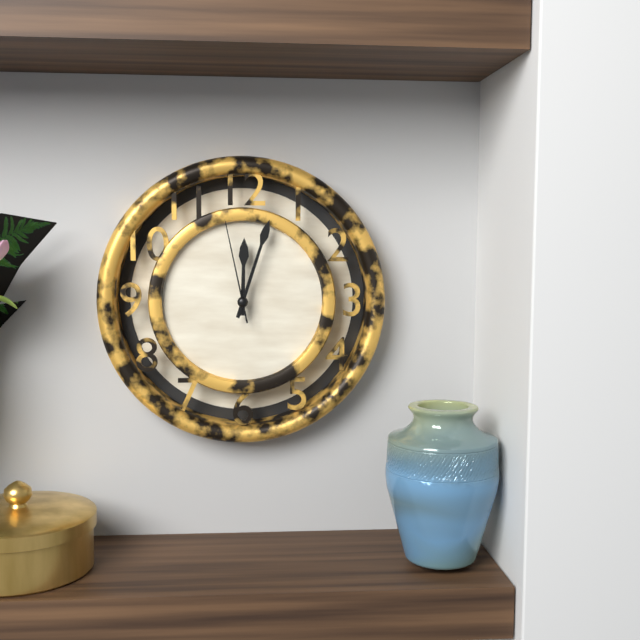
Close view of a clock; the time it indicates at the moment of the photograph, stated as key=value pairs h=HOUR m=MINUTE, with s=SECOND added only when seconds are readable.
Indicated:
h=12 m=3 s=58
